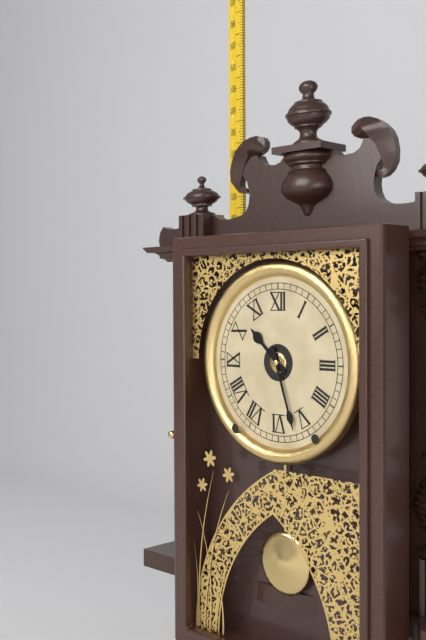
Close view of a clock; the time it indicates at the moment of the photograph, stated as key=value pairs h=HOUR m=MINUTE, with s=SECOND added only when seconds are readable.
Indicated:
h=10 m=27
